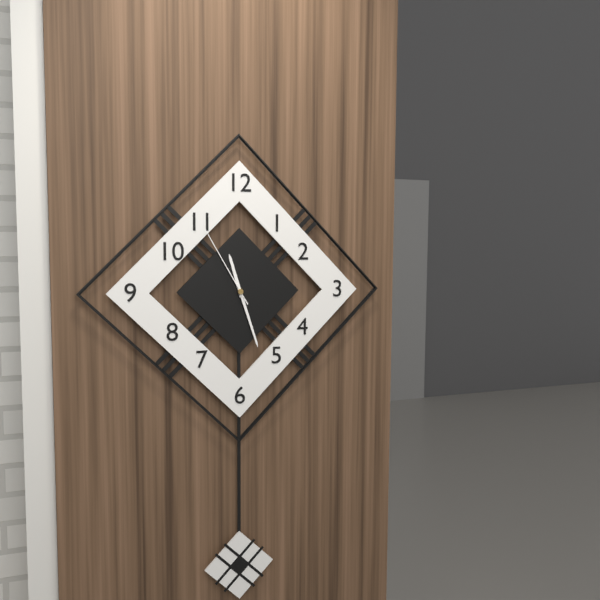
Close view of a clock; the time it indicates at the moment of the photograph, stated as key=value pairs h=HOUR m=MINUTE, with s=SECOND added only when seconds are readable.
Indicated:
h=11 m=27 s=55
